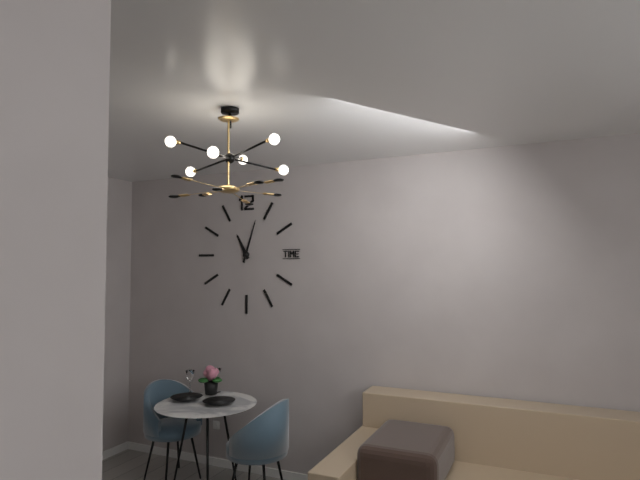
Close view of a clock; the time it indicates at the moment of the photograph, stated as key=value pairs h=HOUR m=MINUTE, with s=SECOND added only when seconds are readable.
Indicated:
h=11 m=3
